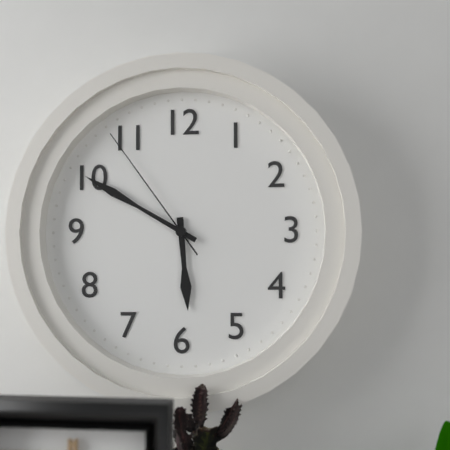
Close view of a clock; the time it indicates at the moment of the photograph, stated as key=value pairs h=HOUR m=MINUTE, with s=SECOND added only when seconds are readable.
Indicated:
h=5 m=50 s=54
